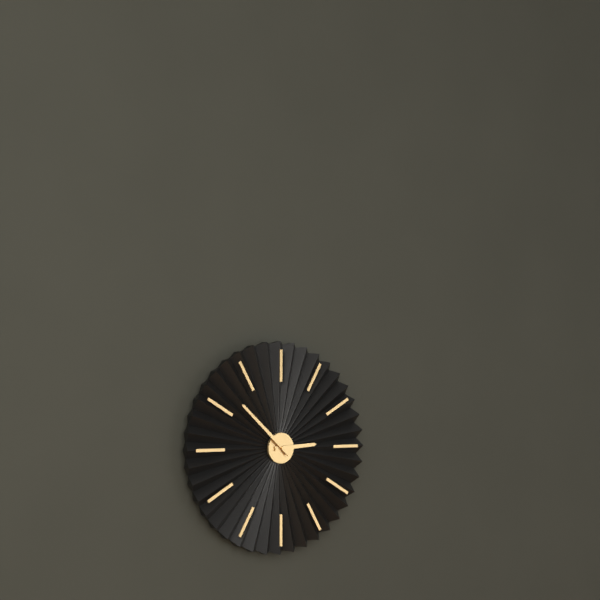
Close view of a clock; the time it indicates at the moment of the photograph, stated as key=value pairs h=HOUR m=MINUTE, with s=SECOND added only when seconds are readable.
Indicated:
h=2 m=52
